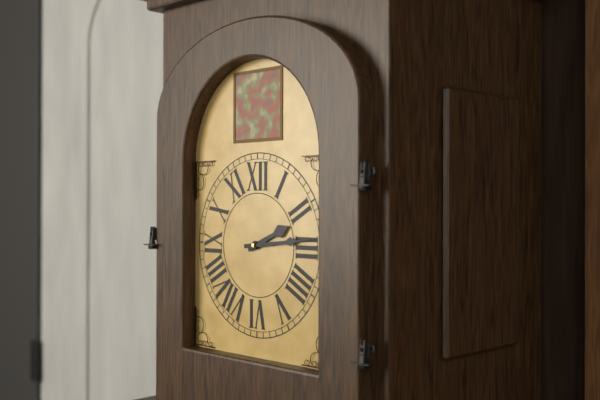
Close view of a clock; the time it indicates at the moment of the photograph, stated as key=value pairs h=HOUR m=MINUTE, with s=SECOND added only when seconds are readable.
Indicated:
h=2 m=14
